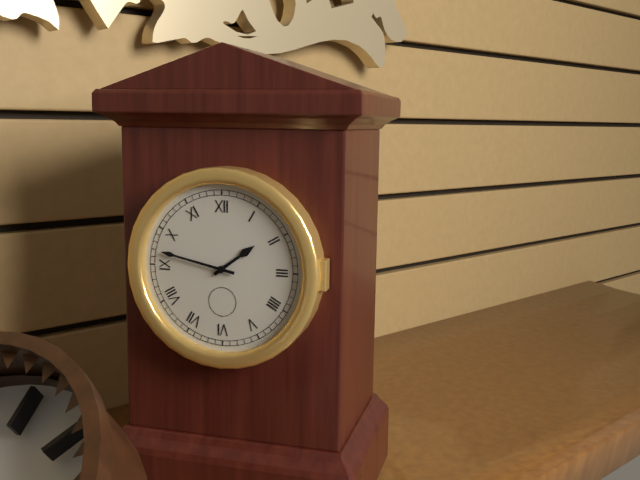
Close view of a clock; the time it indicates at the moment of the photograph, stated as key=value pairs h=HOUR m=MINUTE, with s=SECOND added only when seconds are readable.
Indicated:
h=1 m=47
